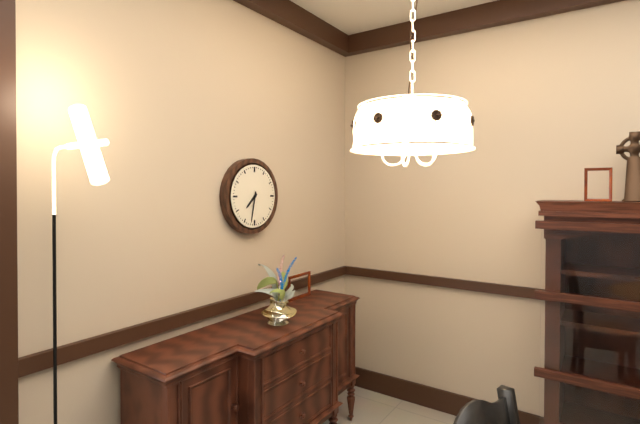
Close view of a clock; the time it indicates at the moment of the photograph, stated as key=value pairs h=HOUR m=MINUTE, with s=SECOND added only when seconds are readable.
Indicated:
h=7 m=32
